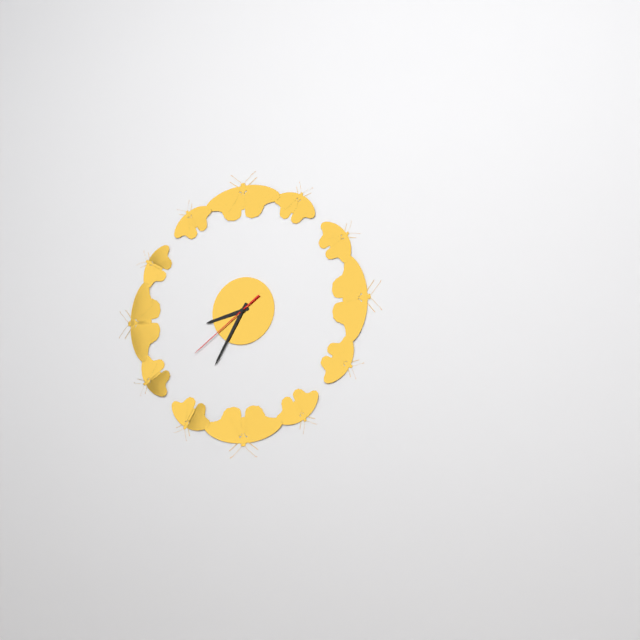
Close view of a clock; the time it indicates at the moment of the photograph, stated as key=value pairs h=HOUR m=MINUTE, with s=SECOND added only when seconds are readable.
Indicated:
h=8 m=35 s=39
